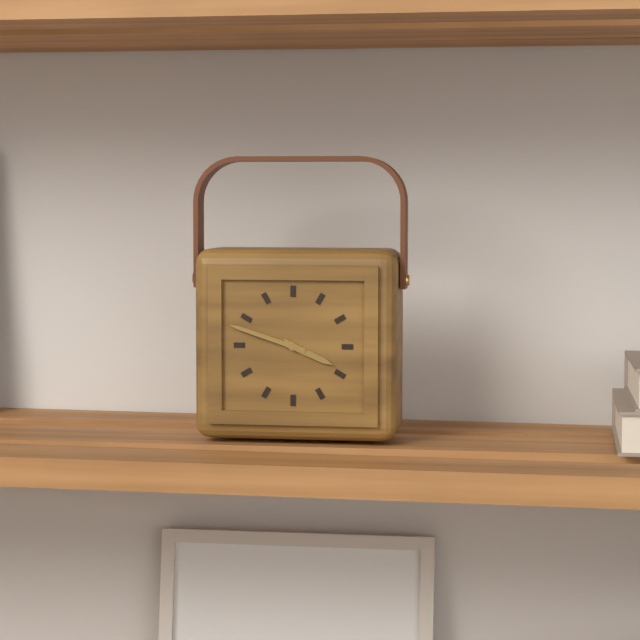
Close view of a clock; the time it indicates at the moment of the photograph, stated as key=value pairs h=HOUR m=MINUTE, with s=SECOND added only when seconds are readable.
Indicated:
h=3 m=48
